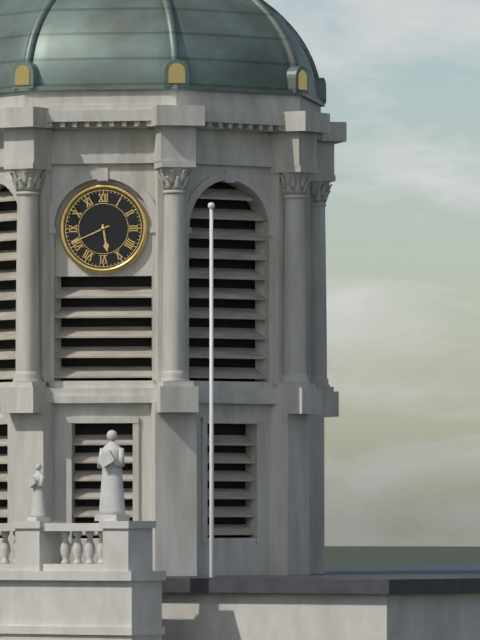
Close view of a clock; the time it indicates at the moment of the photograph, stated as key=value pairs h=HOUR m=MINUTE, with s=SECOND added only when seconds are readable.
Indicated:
h=5 m=41
